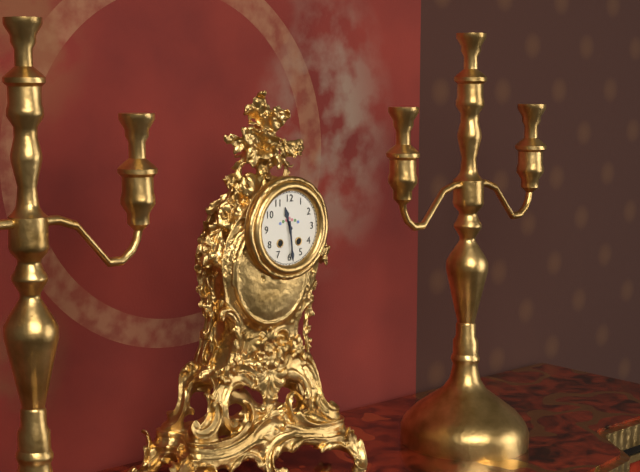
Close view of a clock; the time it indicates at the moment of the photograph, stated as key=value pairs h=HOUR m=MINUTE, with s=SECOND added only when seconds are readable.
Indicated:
h=11 m=29
